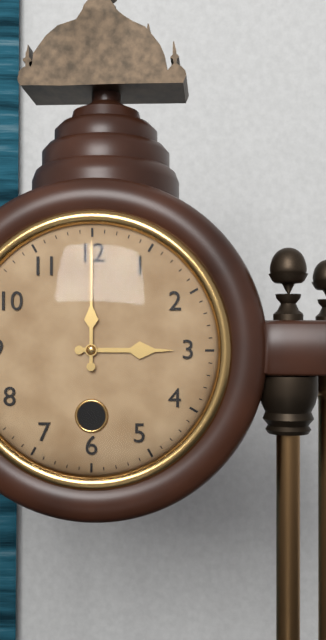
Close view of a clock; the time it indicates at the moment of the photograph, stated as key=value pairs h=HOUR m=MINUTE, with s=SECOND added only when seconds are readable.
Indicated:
h=3 m=0
